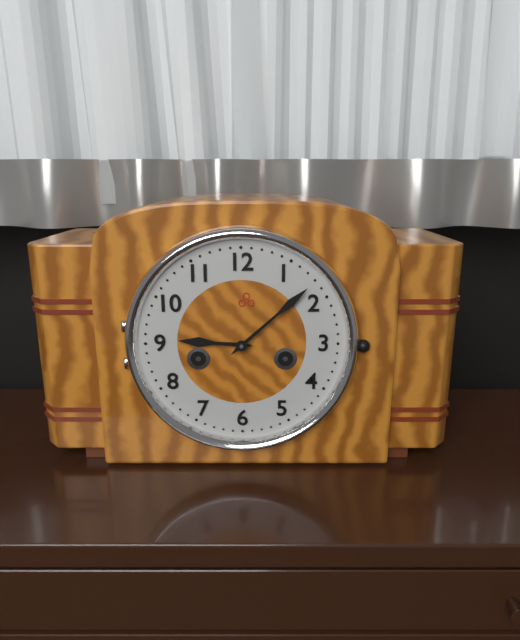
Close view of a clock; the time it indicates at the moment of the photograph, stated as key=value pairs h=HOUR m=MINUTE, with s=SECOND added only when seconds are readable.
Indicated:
h=9 m=8
